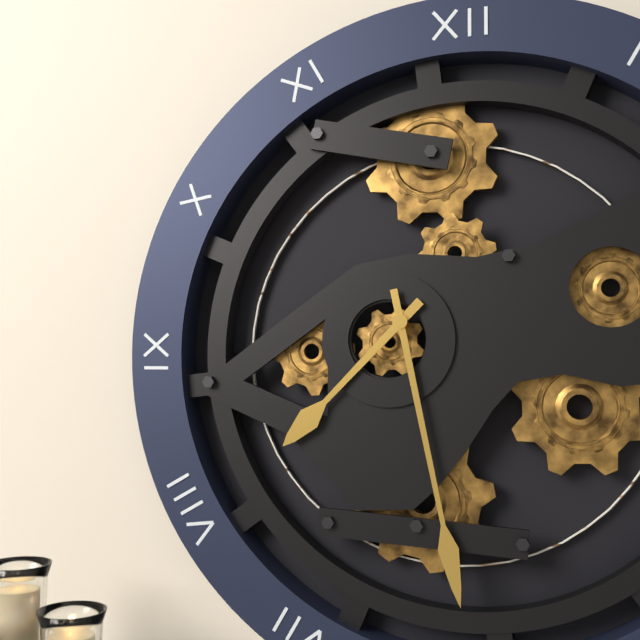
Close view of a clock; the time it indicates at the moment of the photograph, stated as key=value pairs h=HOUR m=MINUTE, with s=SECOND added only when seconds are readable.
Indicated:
h=7 m=28
